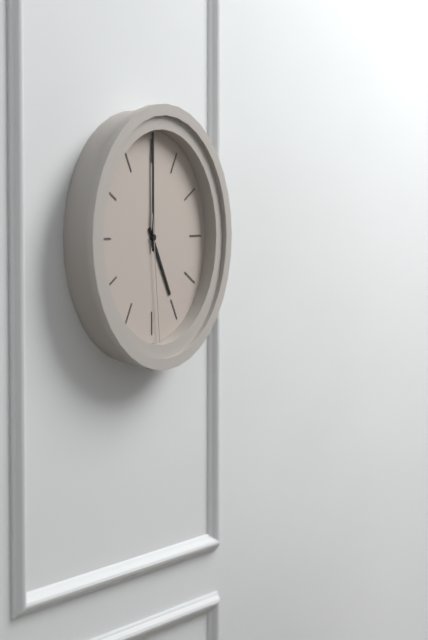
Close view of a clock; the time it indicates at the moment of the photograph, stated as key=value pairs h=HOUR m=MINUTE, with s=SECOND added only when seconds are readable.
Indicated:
h=5 m=0 s=29
